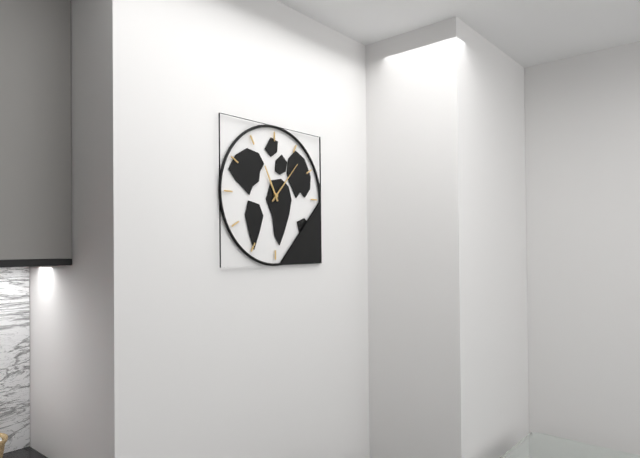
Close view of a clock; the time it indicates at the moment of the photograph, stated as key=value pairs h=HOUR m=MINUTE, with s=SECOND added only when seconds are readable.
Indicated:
h=11 m=7
